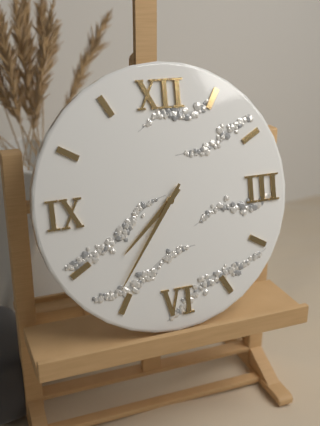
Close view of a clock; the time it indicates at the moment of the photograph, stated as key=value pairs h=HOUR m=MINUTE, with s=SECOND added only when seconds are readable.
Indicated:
h=7 m=36
